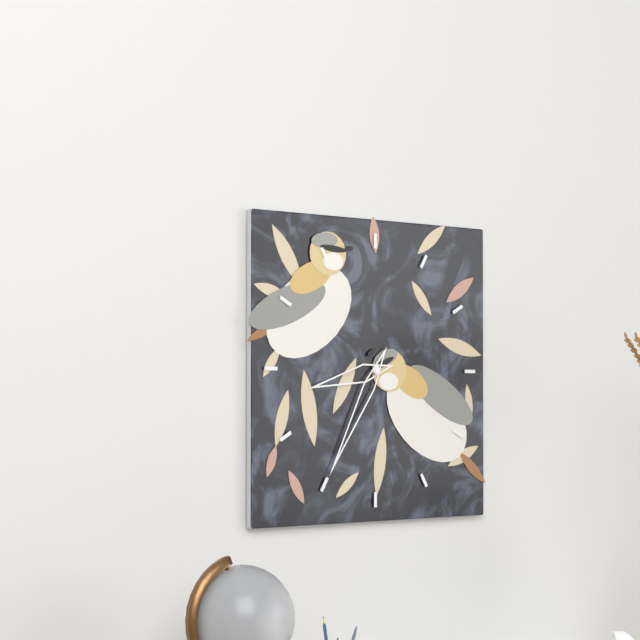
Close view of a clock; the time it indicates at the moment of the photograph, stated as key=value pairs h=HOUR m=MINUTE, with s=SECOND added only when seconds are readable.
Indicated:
h=8 m=35
